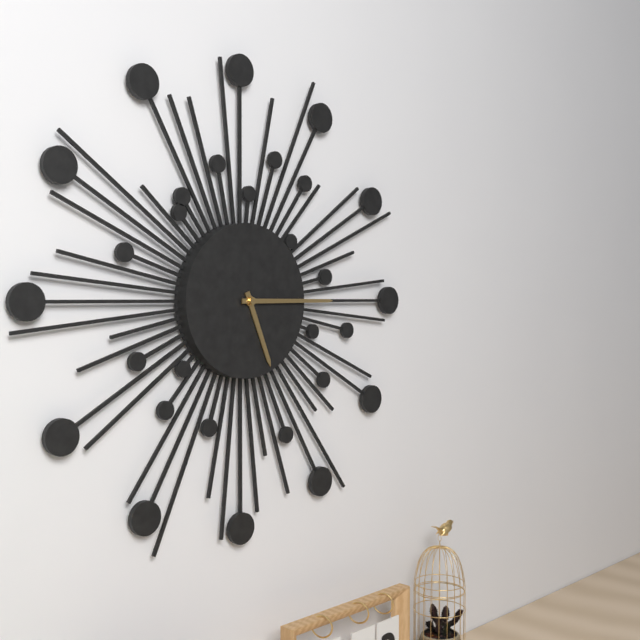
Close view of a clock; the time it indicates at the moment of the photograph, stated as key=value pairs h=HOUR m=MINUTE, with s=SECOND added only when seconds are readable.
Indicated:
h=5 m=15
